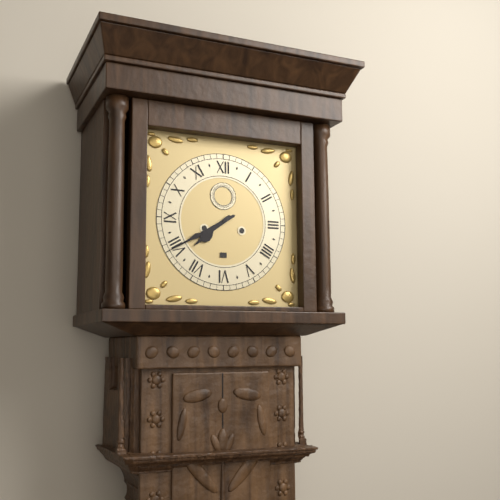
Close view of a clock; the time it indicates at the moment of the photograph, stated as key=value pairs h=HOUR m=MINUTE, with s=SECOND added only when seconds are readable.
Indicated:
h=7 m=40
